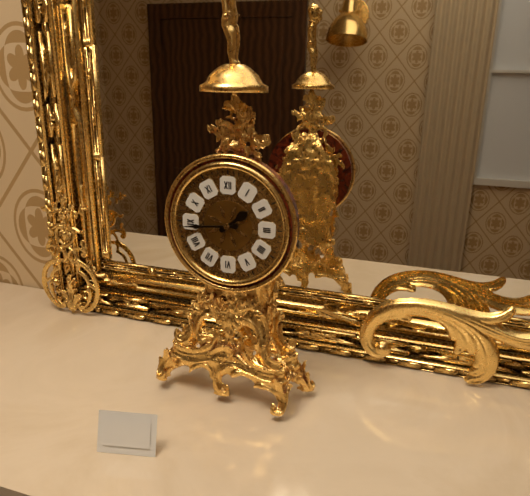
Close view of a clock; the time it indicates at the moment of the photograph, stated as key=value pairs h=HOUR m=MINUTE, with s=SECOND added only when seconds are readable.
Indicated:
h=1 m=44
